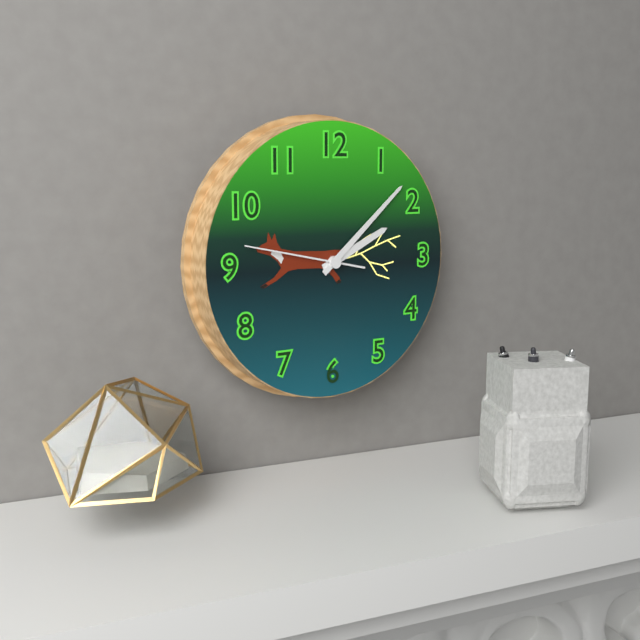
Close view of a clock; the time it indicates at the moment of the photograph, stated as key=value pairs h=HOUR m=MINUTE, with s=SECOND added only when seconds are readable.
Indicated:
h=2 m=8 s=47
